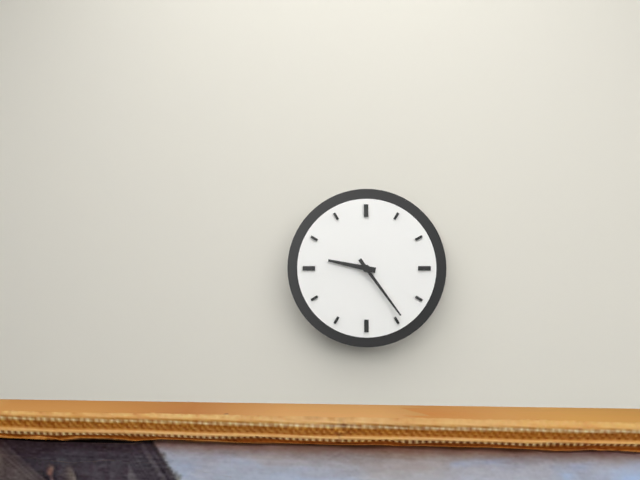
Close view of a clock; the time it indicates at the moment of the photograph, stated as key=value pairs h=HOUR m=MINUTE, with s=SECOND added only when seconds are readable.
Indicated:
h=9 m=24
